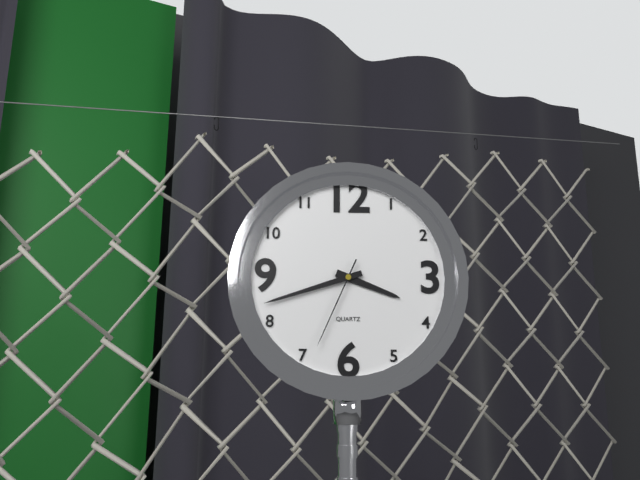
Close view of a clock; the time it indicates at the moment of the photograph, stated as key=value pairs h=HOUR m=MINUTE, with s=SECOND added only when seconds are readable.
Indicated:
h=3 m=42 s=34
